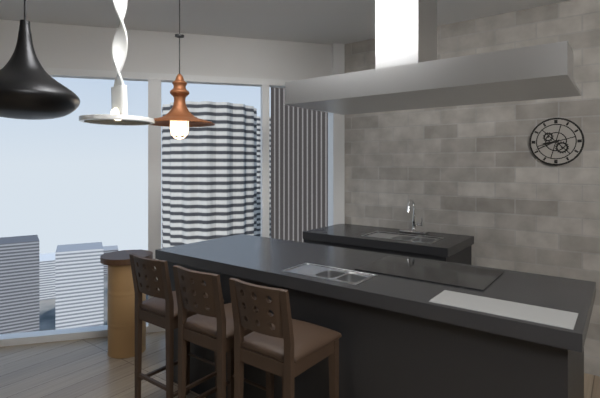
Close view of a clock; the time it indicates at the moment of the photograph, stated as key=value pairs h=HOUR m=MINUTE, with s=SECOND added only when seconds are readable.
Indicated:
h=8 m=41
